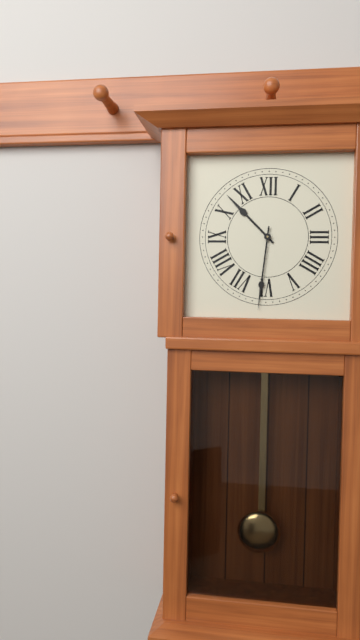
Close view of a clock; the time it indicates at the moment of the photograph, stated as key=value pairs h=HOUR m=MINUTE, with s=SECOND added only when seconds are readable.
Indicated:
h=10 m=31
